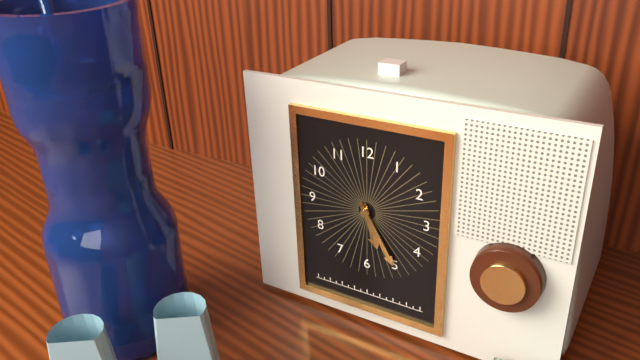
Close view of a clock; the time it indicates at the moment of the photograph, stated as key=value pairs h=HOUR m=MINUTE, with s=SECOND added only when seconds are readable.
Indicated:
h=5 m=25
